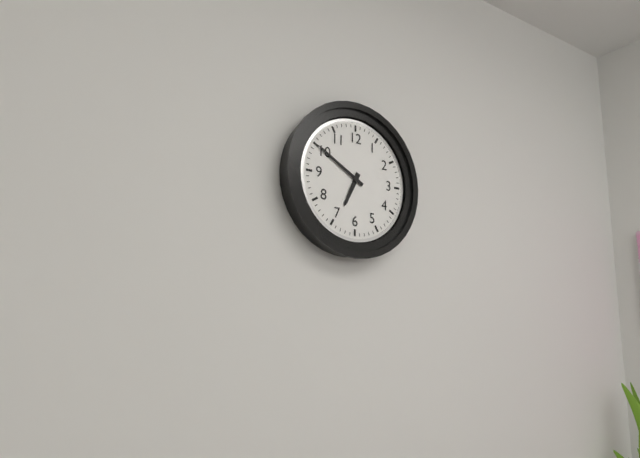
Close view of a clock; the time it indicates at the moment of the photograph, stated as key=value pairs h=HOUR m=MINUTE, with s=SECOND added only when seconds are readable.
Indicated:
h=6 m=50
